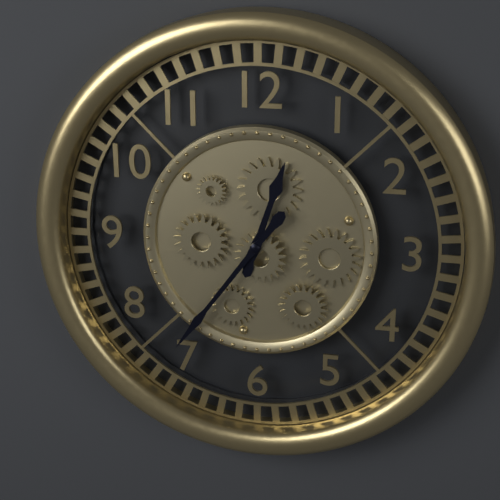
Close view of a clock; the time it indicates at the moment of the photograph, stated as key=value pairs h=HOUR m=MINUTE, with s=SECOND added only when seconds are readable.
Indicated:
h=12 m=36
